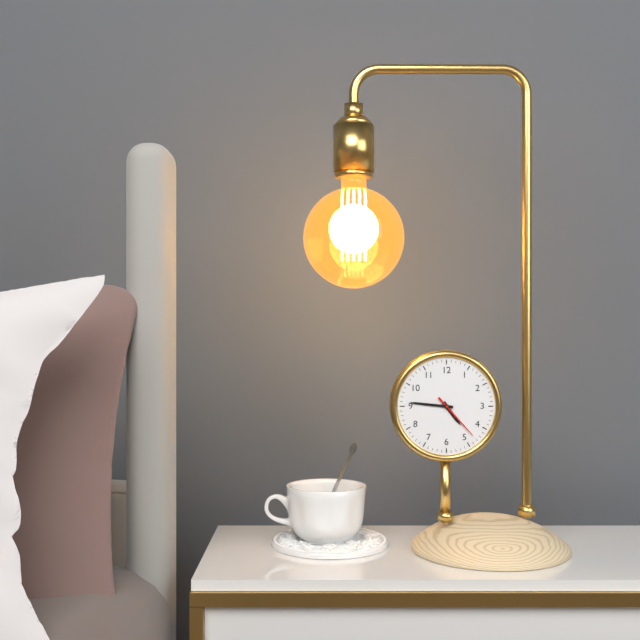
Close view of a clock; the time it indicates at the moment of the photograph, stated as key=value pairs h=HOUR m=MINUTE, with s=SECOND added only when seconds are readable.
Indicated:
h=4 m=46
